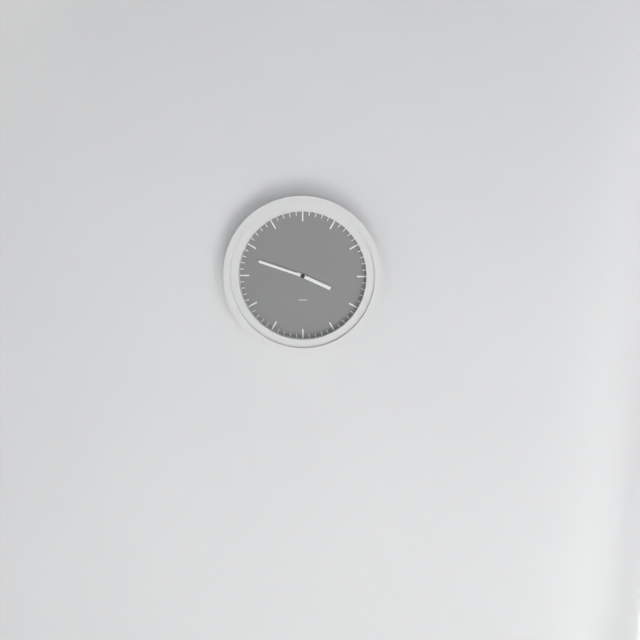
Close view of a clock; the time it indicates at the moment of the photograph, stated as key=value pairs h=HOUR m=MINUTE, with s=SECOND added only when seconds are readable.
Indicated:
h=3 m=48
